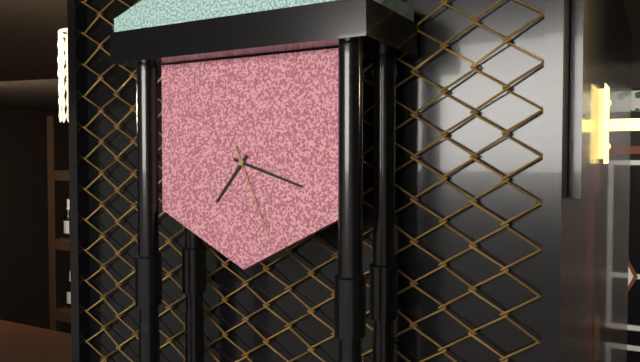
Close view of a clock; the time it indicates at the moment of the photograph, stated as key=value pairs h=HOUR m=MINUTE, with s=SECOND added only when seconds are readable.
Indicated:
h=7 m=18 s=26
